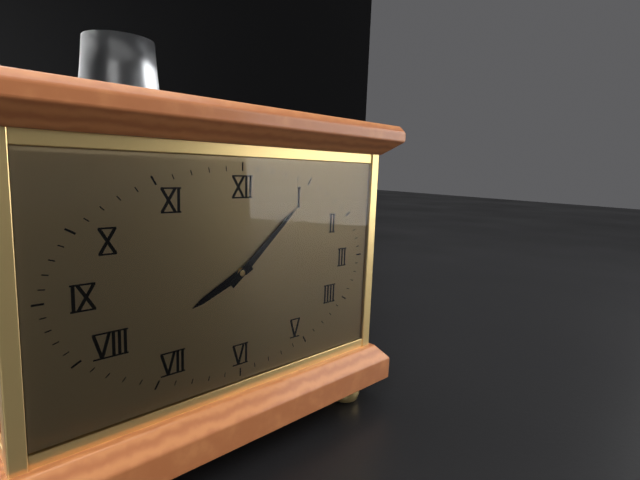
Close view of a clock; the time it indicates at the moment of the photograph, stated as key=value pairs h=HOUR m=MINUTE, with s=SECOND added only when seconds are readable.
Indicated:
h=8 m=8
